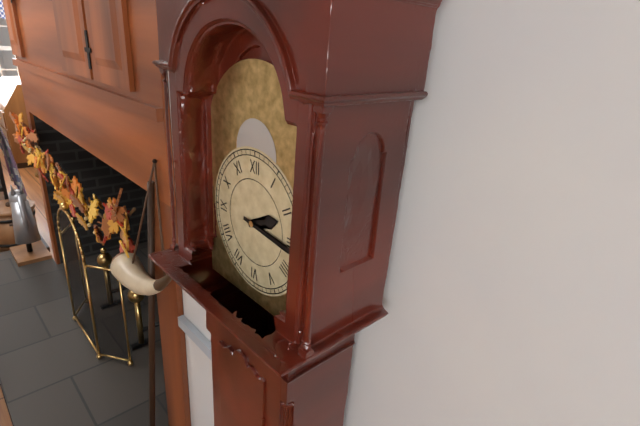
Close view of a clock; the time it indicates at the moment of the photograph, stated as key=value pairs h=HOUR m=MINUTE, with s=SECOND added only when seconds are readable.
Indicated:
h=2 m=16
